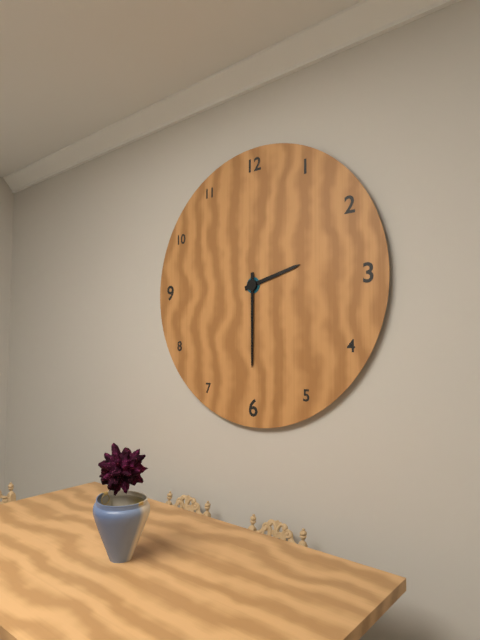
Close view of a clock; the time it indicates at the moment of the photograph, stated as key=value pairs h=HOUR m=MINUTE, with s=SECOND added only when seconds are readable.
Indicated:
h=2 m=30
